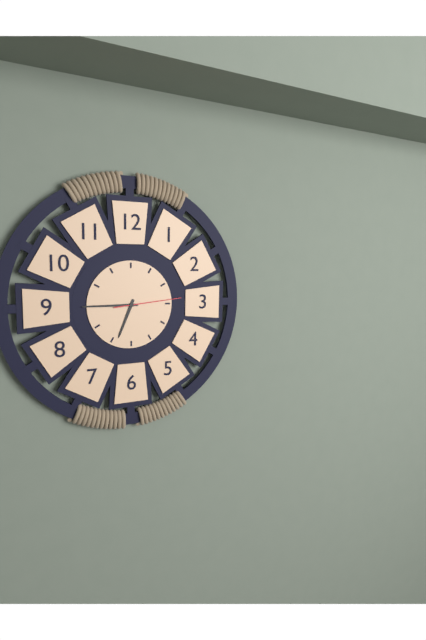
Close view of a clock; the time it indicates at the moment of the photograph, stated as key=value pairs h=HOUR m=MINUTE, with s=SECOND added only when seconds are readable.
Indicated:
h=6 m=45 s=14
